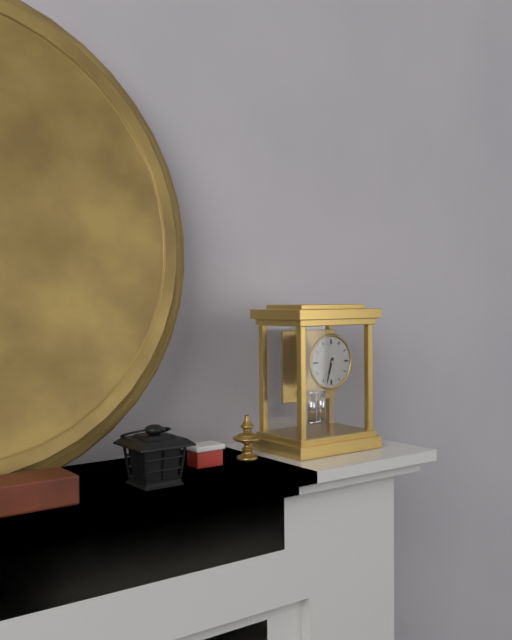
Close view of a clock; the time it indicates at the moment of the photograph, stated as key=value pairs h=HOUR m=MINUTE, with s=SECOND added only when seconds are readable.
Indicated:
h=6 m=33
